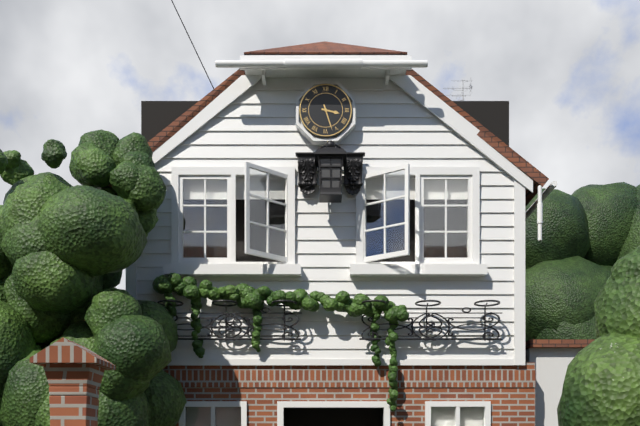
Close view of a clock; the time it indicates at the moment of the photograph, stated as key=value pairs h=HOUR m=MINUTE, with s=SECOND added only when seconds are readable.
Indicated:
h=3 m=27
